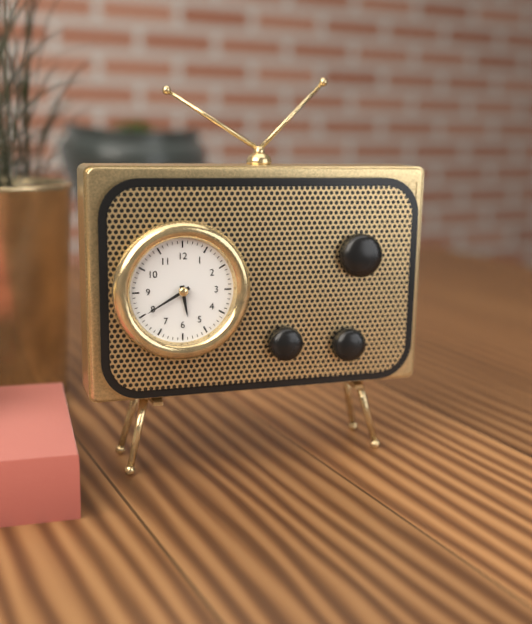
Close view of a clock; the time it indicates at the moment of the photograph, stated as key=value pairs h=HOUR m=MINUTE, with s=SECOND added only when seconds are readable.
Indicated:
h=5 m=40
